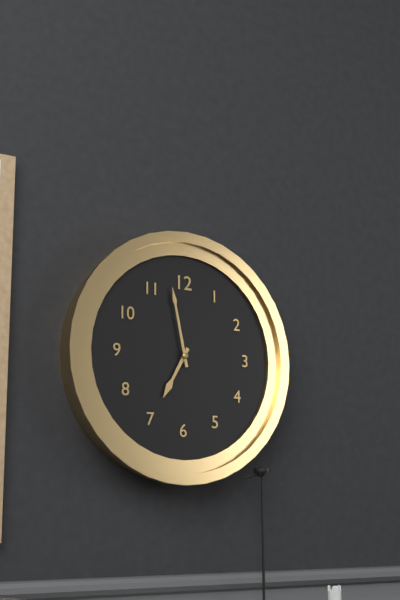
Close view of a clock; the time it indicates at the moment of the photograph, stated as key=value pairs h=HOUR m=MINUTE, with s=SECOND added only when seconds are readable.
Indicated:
h=6 m=58
